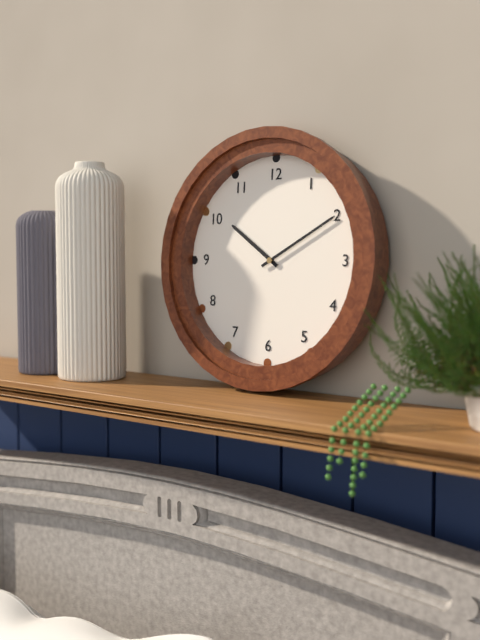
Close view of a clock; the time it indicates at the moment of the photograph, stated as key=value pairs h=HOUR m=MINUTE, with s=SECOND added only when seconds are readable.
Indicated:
h=10 m=10
